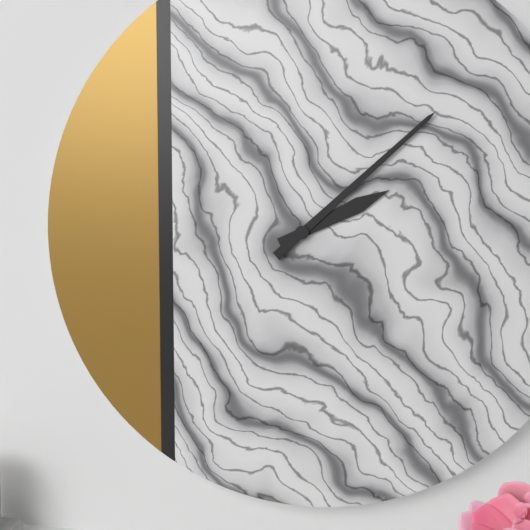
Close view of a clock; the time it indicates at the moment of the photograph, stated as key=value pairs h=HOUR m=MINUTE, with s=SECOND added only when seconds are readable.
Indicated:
h=2 m=8
